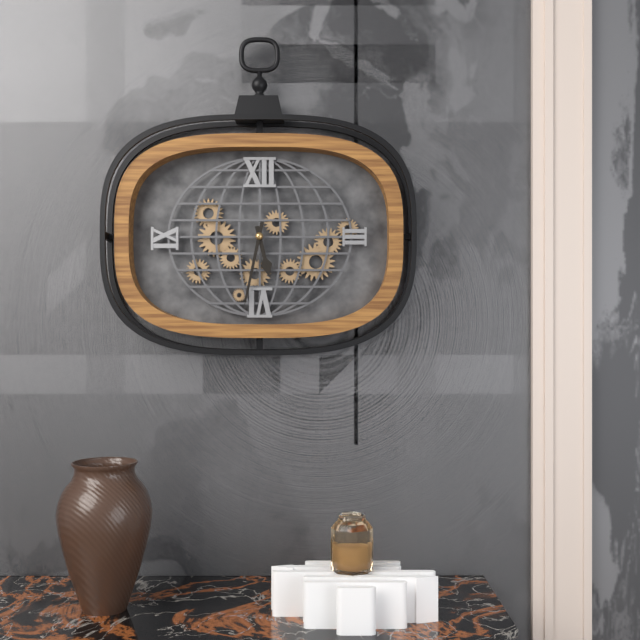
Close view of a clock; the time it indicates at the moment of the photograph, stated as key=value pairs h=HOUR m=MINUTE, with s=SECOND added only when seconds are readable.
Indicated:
h=5 m=32
